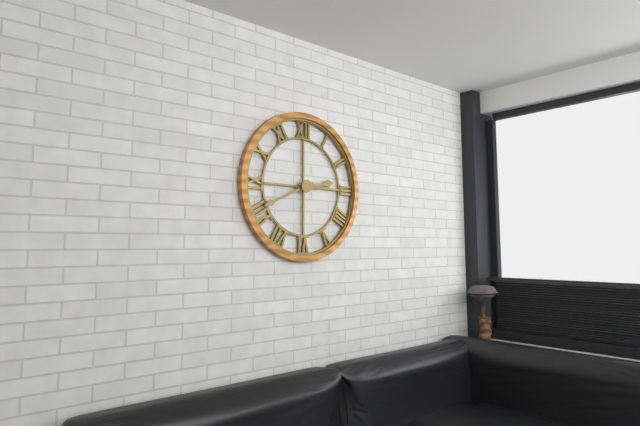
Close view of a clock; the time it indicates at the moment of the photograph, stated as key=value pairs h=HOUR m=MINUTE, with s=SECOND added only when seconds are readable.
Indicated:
h=2 m=41
